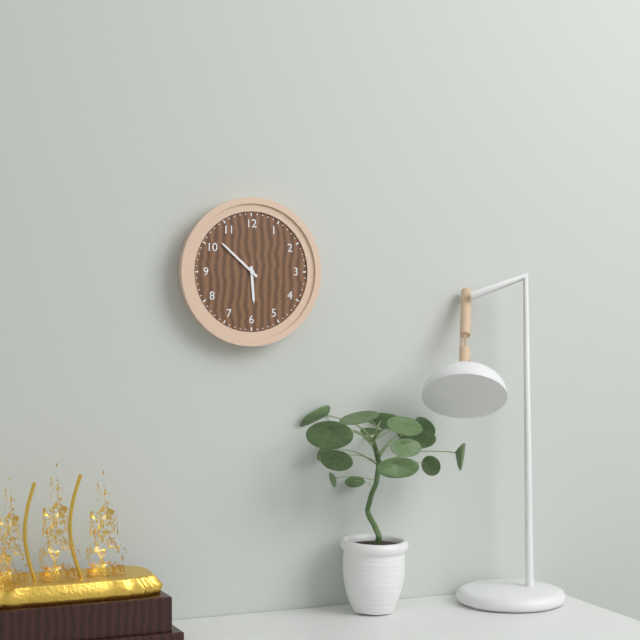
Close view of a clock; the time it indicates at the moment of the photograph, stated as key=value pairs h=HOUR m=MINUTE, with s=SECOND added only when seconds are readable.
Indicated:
h=5 m=52
